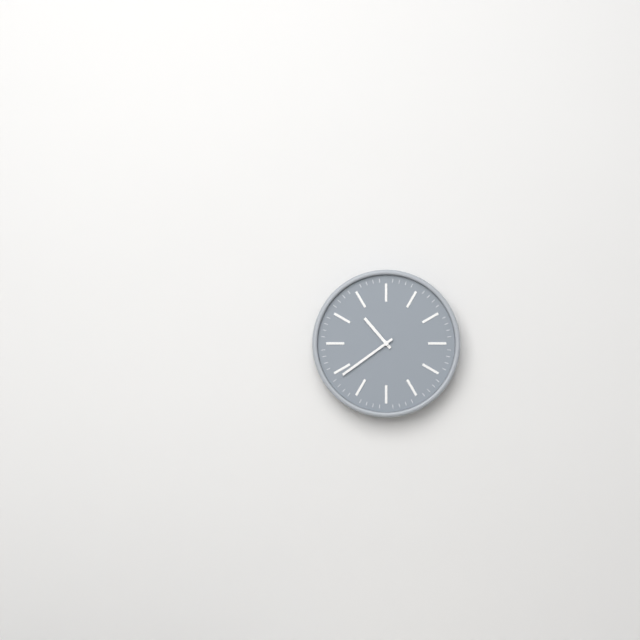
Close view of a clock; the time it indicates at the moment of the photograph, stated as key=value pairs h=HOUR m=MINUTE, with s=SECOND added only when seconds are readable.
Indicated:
h=10 m=39
